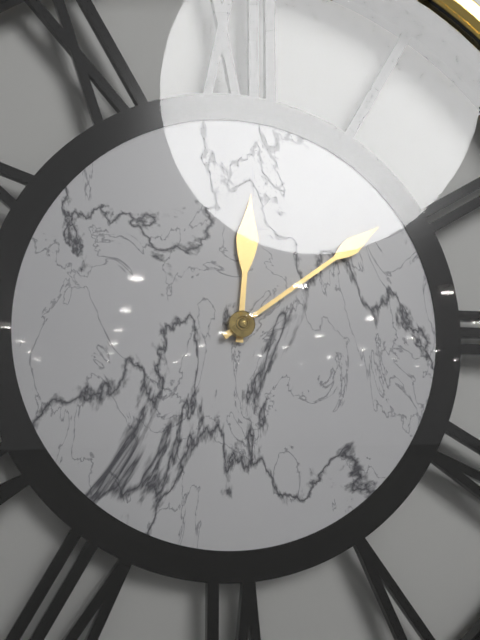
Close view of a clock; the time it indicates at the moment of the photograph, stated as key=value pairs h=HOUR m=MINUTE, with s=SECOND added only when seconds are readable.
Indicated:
h=12 m=9
